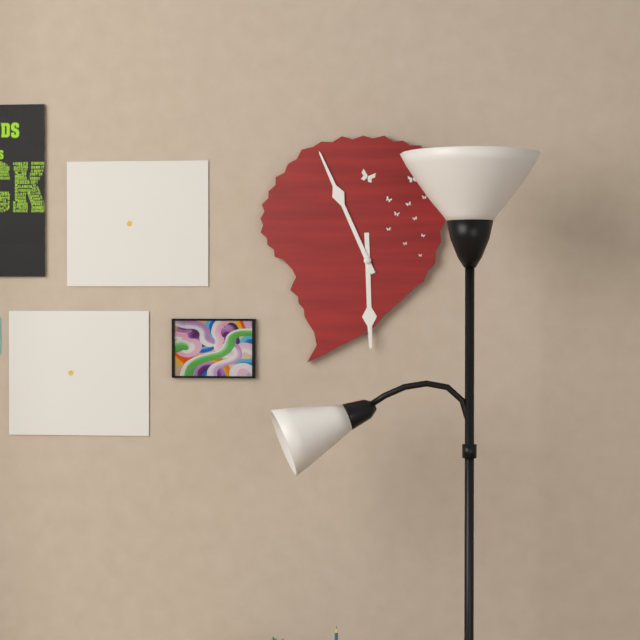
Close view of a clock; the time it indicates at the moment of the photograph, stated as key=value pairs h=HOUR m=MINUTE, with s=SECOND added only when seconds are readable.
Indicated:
h=5 m=56
